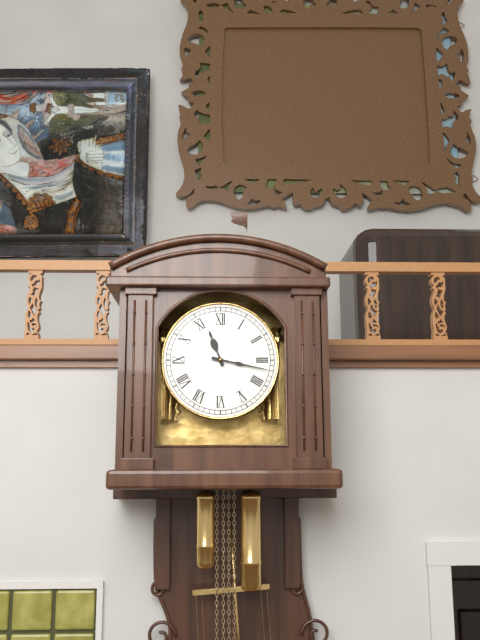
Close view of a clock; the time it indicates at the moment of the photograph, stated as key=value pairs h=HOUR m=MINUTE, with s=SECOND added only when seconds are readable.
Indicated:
h=11 m=17
